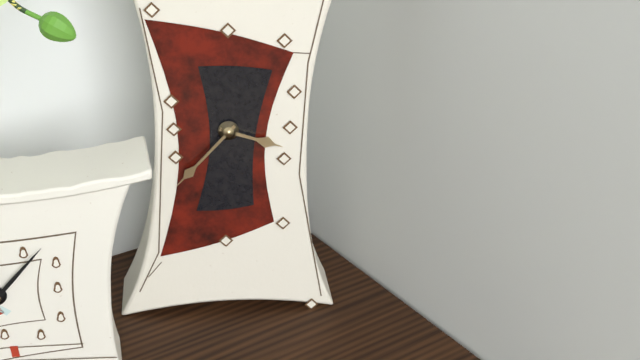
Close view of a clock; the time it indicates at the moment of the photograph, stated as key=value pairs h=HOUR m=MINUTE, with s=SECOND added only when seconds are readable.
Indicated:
h=3 m=37
